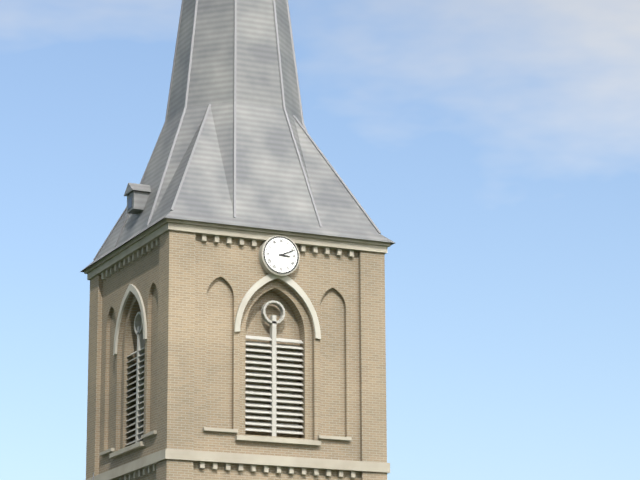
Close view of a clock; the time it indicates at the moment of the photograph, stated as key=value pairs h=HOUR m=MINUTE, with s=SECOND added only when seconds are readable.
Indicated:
h=3 m=11
